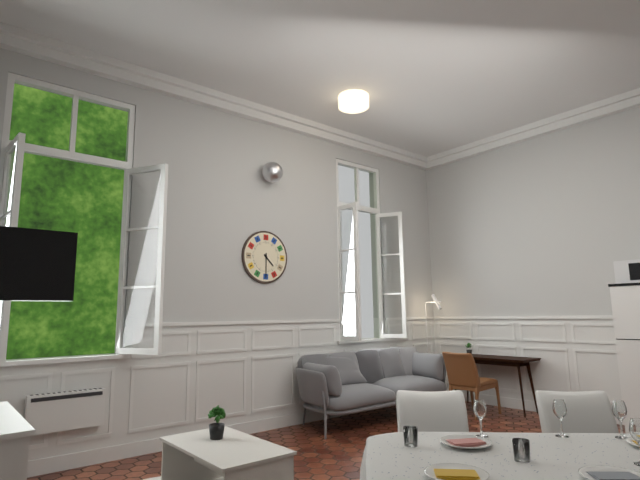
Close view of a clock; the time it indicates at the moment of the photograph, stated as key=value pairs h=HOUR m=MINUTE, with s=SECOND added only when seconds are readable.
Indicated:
h=4 m=30
